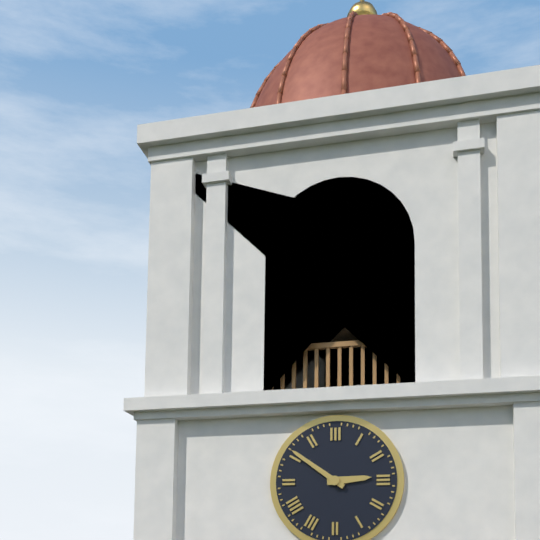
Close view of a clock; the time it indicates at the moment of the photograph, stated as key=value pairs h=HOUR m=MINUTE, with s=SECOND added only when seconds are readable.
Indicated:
h=2 m=51
